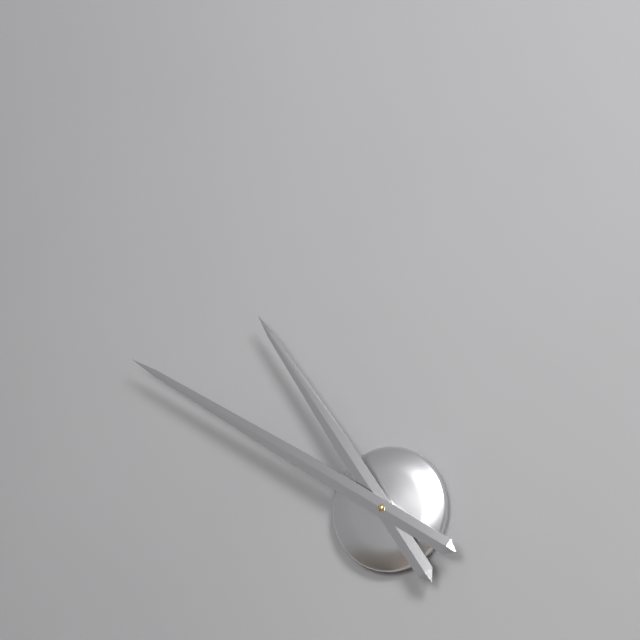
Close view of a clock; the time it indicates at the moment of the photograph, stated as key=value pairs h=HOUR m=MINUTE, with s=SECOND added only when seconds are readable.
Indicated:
h=10 m=50
